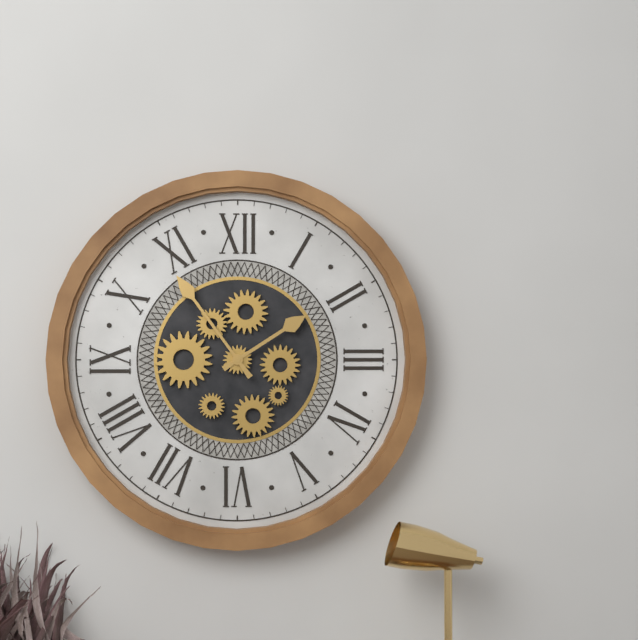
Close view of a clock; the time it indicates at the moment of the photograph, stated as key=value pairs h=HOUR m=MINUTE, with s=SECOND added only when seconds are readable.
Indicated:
h=1 m=54
